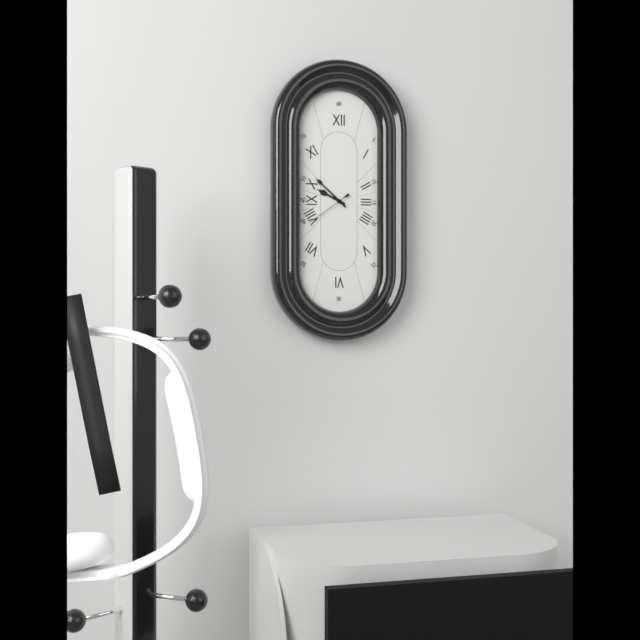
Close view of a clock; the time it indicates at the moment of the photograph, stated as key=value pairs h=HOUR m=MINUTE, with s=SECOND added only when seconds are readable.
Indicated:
h=9 m=52
